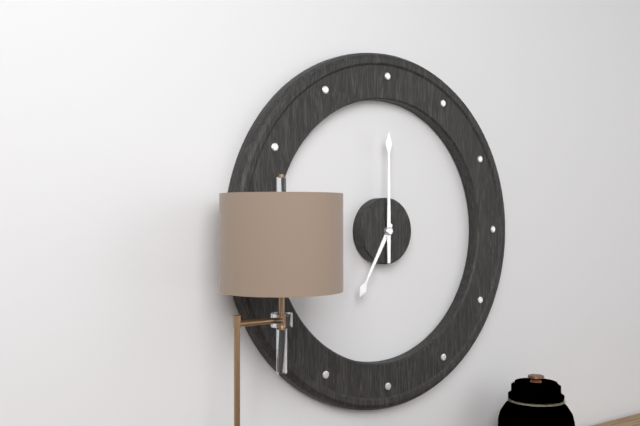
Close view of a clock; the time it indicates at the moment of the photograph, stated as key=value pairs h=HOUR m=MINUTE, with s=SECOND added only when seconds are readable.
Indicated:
h=7 m=0
